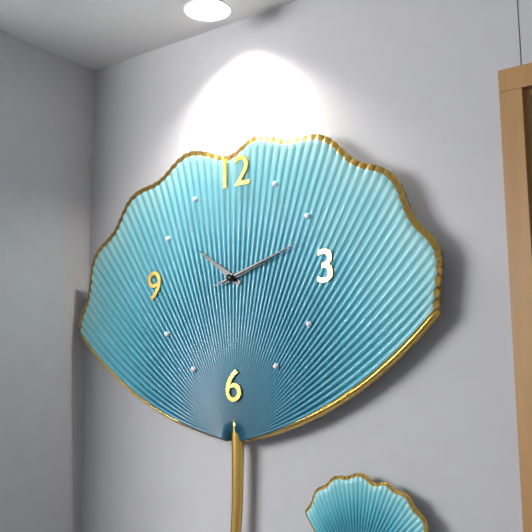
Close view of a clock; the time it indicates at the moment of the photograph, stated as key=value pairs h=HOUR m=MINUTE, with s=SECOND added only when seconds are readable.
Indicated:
h=10 m=12 s=12
